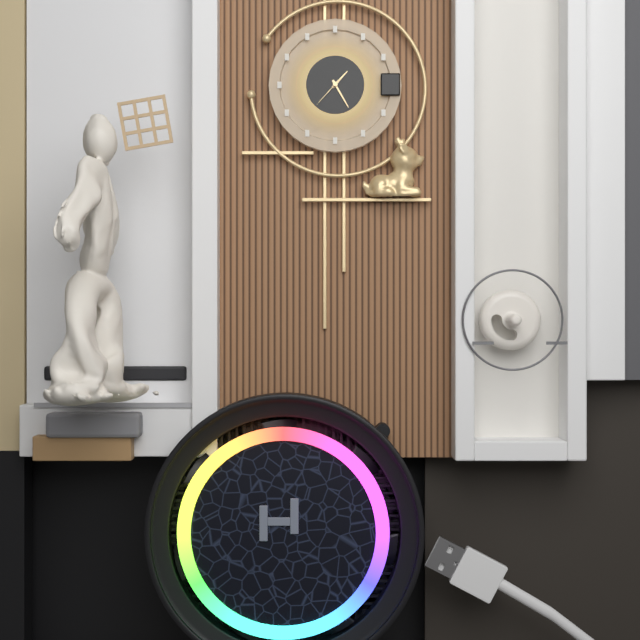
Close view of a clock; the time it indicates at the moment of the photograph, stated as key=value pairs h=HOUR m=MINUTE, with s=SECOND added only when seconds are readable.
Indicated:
h=1 m=25
